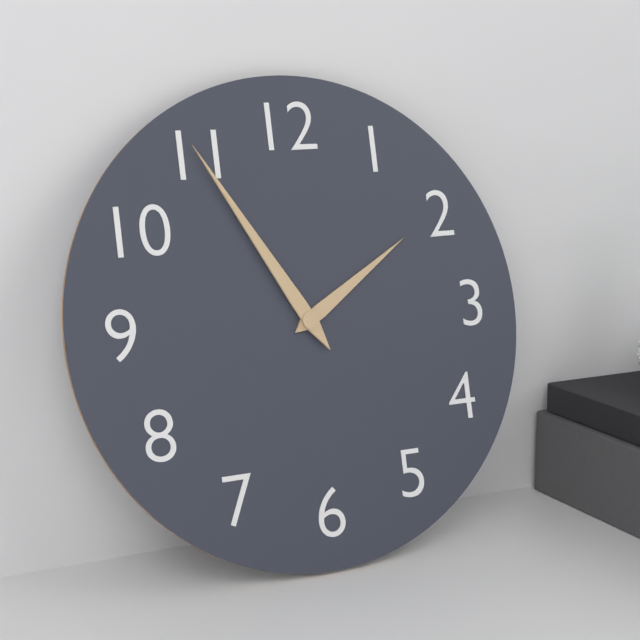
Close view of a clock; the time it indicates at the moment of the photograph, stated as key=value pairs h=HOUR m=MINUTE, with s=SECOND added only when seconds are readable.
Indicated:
h=1 m=55
